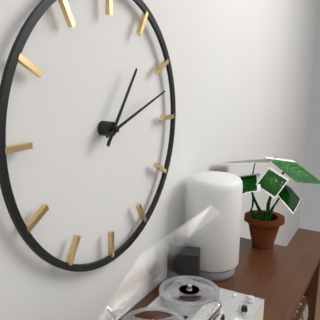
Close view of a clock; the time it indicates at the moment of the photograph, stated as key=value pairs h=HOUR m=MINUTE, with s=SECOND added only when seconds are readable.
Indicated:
h=1 m=12
